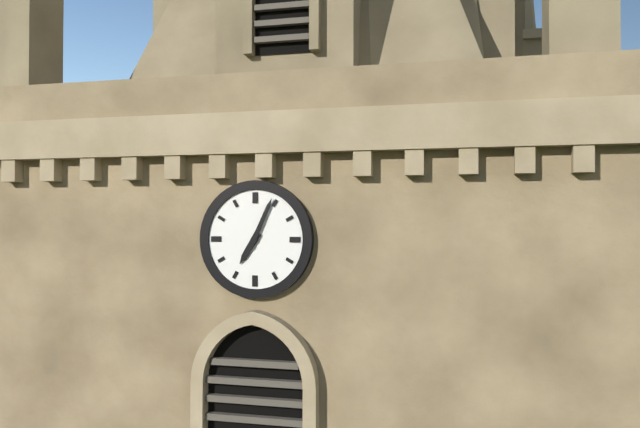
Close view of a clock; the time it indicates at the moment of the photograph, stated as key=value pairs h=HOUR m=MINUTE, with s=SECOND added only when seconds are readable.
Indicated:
h=7 m=4
